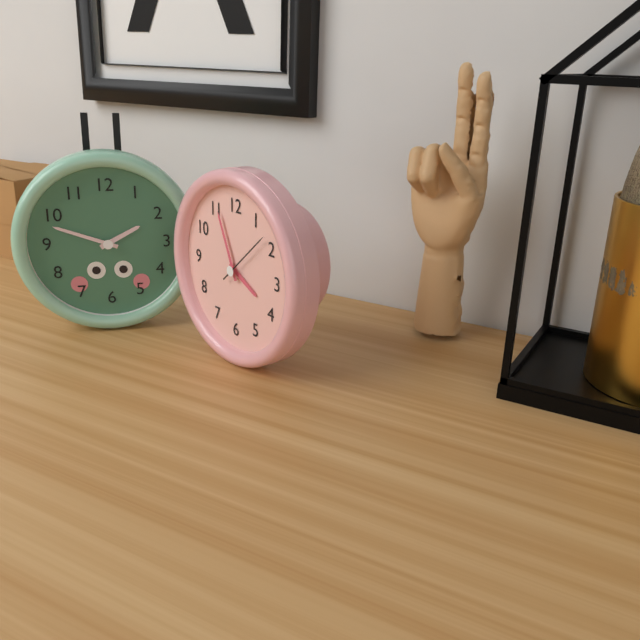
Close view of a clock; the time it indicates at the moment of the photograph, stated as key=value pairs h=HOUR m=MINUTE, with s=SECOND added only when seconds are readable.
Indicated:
h=3 m=56 s=8
